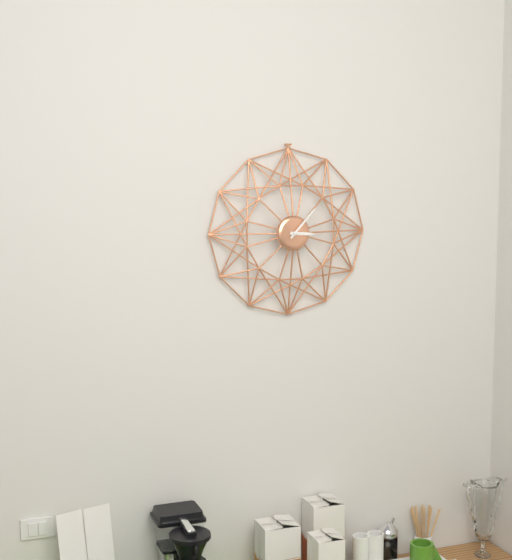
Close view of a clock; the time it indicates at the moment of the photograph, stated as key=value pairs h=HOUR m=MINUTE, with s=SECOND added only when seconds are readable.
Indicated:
h=3 m=7
